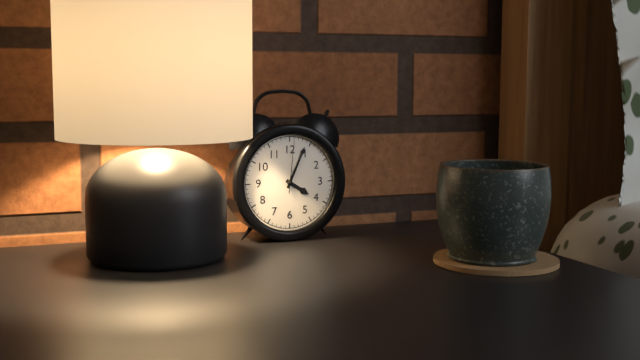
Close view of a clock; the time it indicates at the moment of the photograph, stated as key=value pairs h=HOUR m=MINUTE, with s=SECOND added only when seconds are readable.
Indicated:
h=4 m=4 s=1
